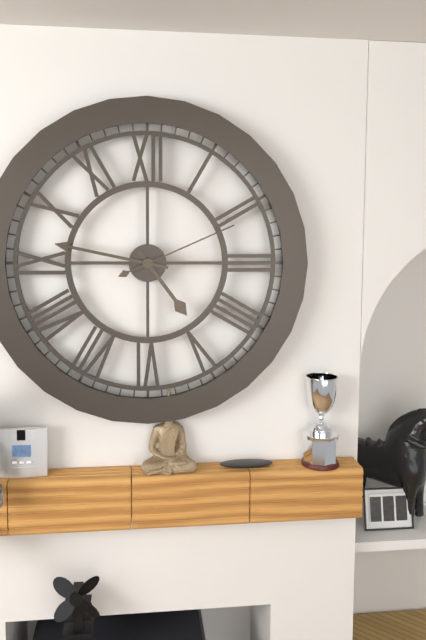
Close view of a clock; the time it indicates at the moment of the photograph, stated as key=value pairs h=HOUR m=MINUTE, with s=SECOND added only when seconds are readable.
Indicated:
h=4 m=47 s=11
